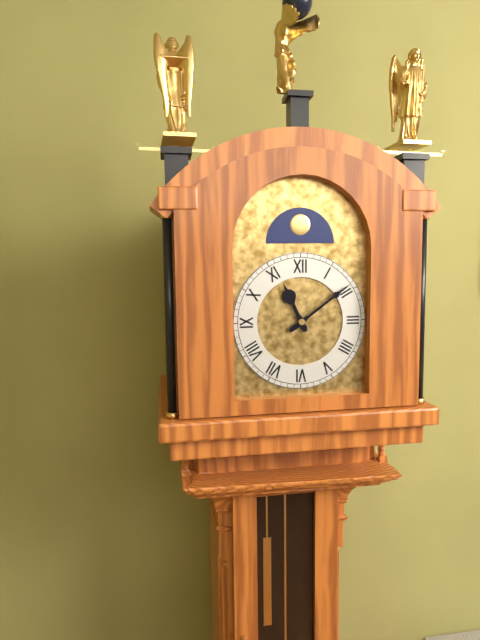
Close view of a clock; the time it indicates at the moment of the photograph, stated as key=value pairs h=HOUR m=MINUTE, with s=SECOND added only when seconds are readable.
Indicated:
h=11 m=9
